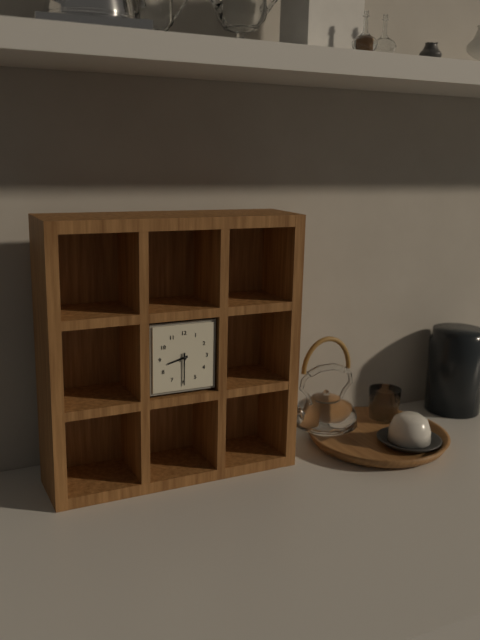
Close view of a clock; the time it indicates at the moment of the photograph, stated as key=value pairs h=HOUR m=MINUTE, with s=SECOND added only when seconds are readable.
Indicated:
h=8 m=30
